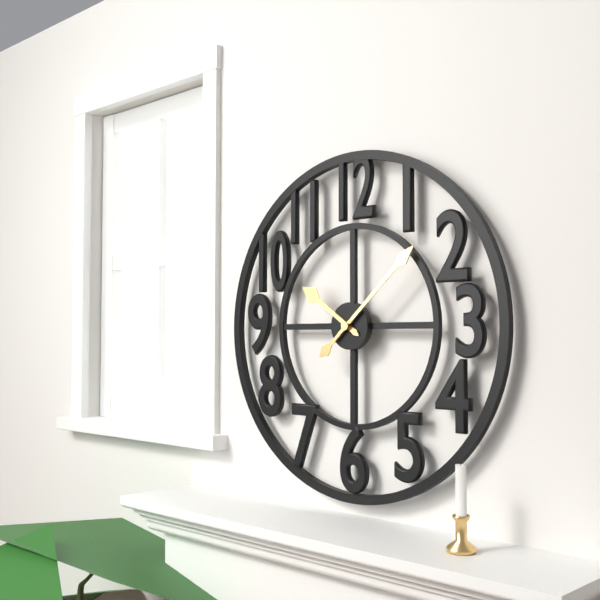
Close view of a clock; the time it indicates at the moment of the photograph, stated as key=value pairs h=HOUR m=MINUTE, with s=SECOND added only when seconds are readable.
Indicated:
h=10 m=8
